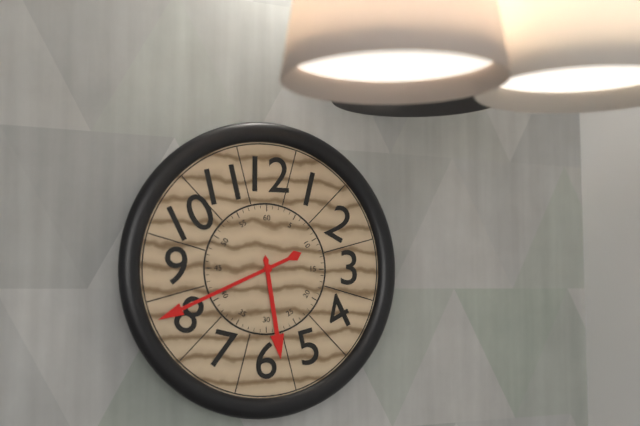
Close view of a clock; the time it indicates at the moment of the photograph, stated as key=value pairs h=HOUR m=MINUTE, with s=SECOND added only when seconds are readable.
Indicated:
h=5 m=41
